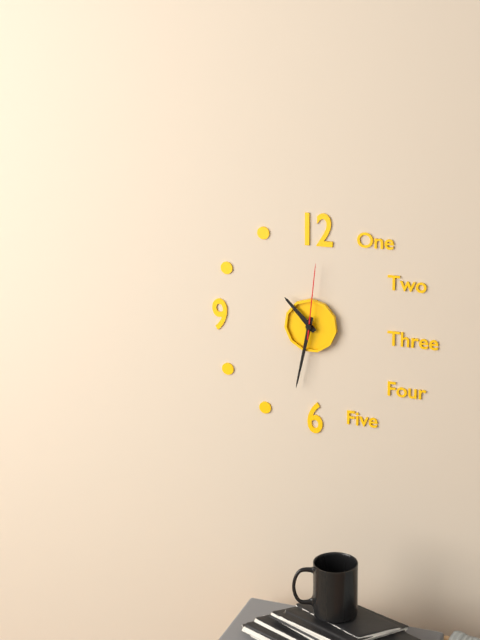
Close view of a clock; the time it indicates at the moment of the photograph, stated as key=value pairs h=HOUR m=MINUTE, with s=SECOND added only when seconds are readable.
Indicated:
h=10 m=32 s=1
